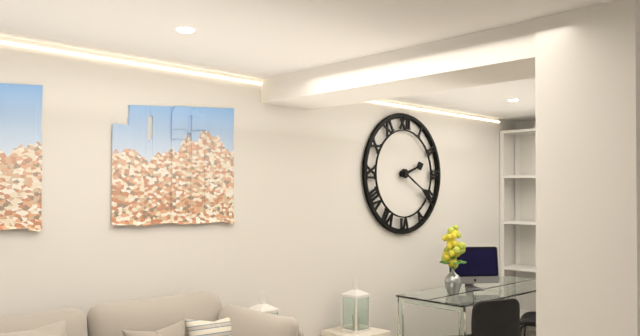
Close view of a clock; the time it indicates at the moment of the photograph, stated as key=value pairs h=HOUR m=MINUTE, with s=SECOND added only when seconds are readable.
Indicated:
h=2 m=20
